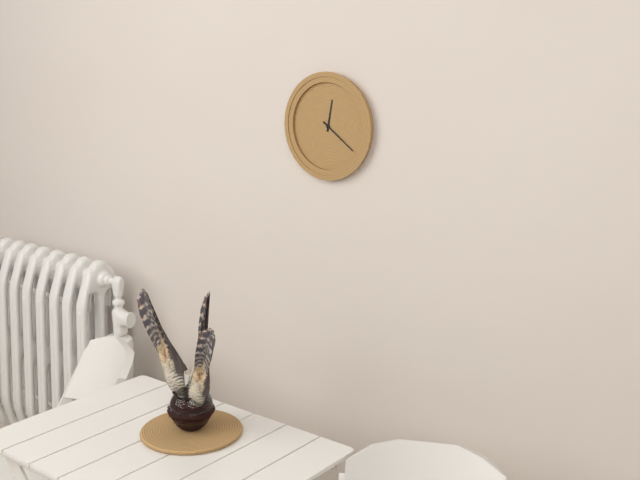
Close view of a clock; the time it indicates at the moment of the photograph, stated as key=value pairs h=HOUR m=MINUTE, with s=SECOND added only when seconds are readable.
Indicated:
h=12 m=21
